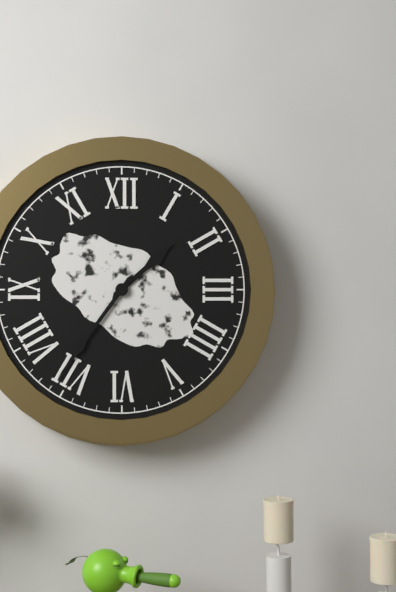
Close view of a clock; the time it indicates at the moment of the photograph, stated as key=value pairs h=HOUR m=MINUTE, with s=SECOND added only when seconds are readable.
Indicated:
h=1 m=36
